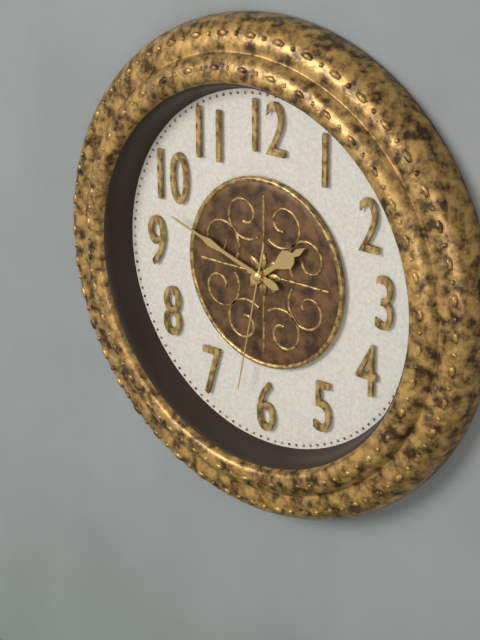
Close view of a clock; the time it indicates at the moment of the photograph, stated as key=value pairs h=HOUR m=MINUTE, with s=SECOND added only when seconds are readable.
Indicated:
h=1 m=48 s=32
